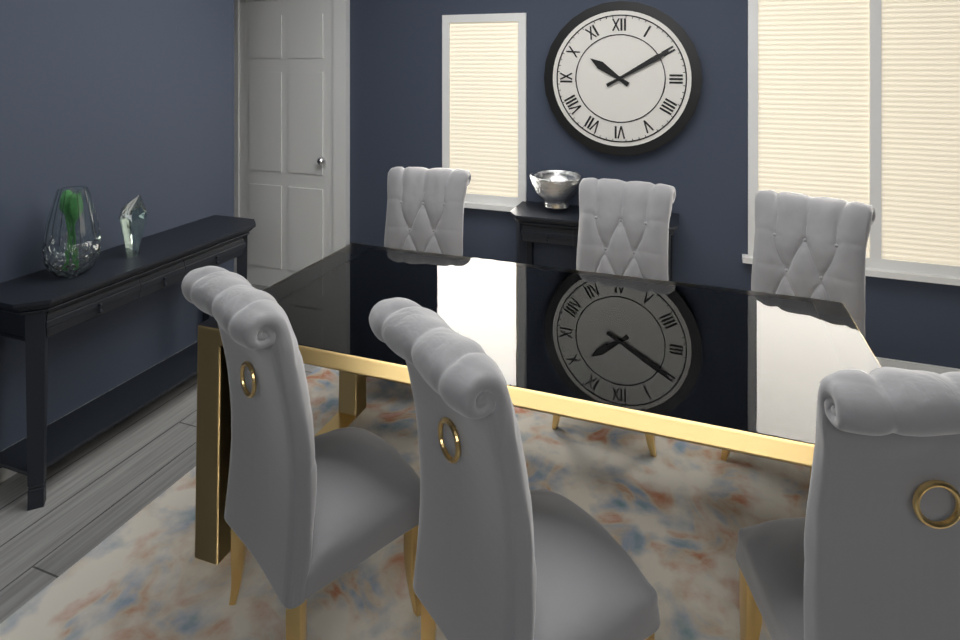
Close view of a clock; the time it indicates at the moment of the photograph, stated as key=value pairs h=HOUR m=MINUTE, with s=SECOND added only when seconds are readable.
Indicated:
h=10 m=10
